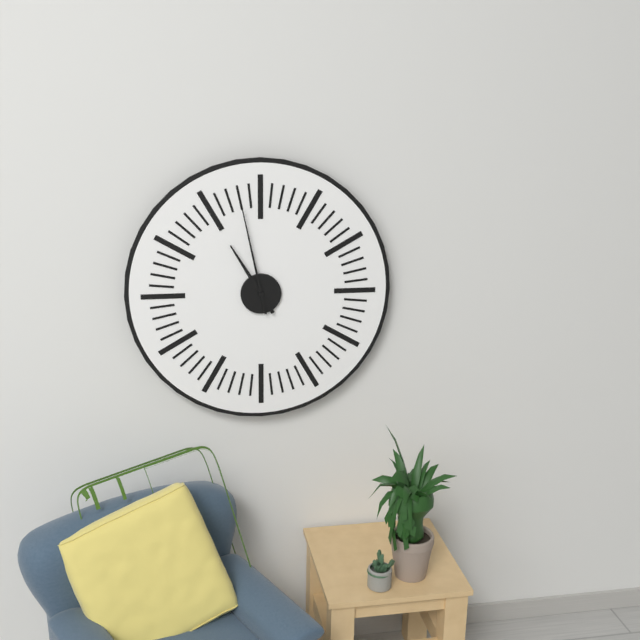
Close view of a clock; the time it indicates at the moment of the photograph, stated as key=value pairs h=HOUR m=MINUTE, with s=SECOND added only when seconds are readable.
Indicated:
h=10 m=58
